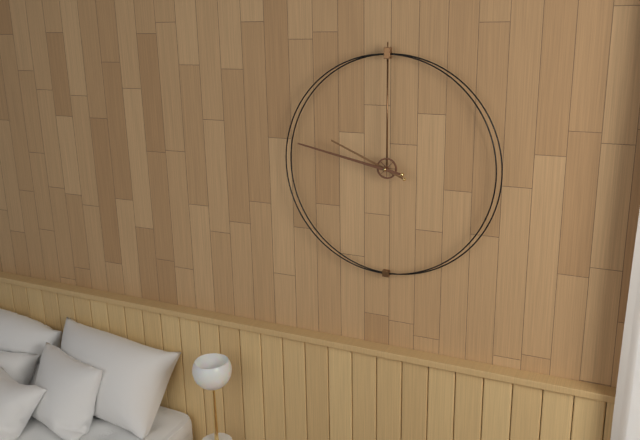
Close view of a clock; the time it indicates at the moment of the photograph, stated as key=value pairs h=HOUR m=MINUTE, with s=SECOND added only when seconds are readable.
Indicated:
h=9 m=47
